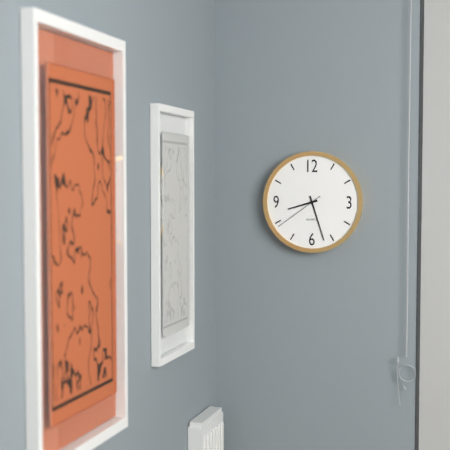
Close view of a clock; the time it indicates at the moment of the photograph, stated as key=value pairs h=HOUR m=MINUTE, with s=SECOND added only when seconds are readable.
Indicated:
h=8 m=27 s=39
